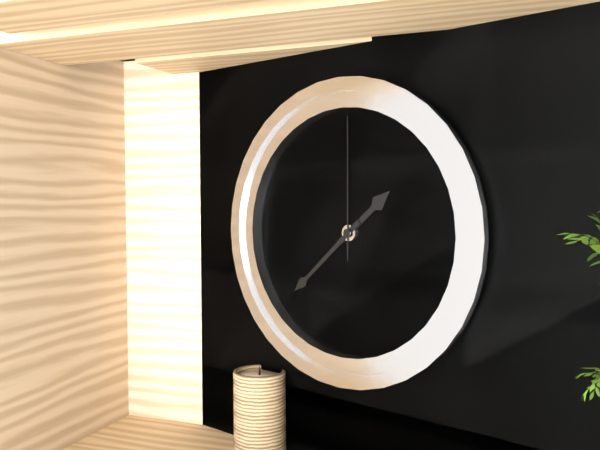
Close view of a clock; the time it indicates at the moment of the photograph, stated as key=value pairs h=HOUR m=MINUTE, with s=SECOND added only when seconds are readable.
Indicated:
h=1 m=38 s=0
